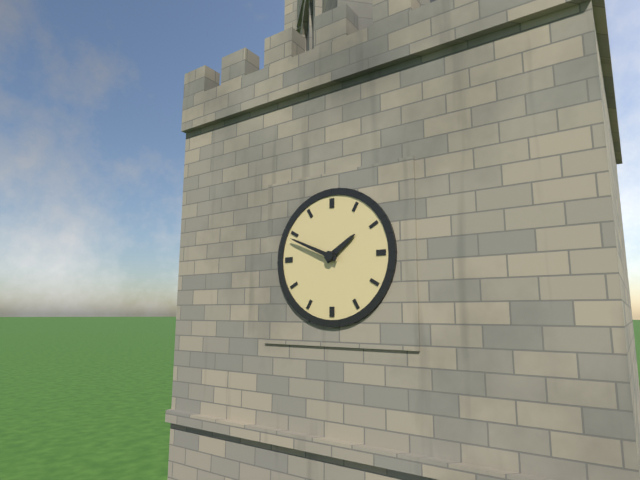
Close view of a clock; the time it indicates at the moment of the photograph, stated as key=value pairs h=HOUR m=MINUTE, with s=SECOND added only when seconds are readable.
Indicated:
h=1 m=49
